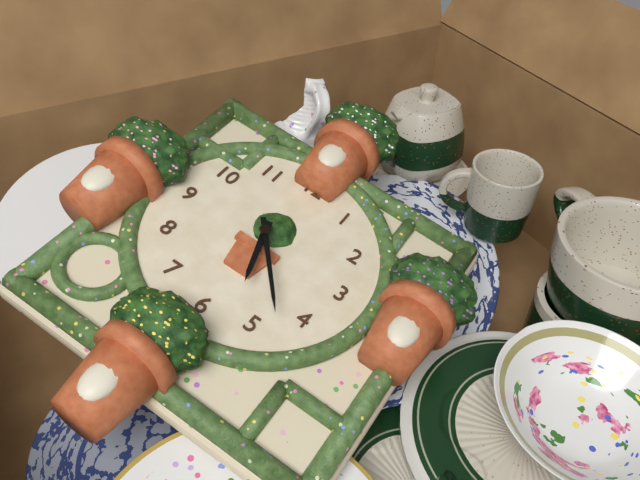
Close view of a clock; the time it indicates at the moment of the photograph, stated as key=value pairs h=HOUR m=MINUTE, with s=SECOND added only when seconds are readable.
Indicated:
h=5 m=23
